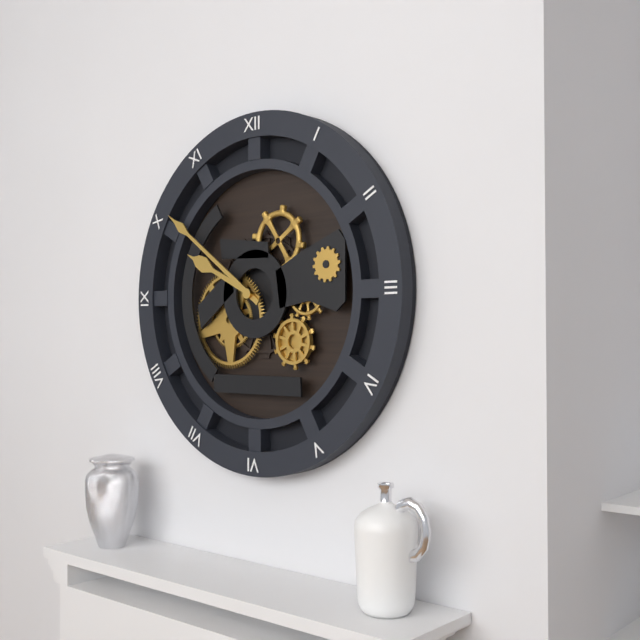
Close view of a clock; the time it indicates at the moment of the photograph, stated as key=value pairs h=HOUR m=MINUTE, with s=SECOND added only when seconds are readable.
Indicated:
h=9 m=51
